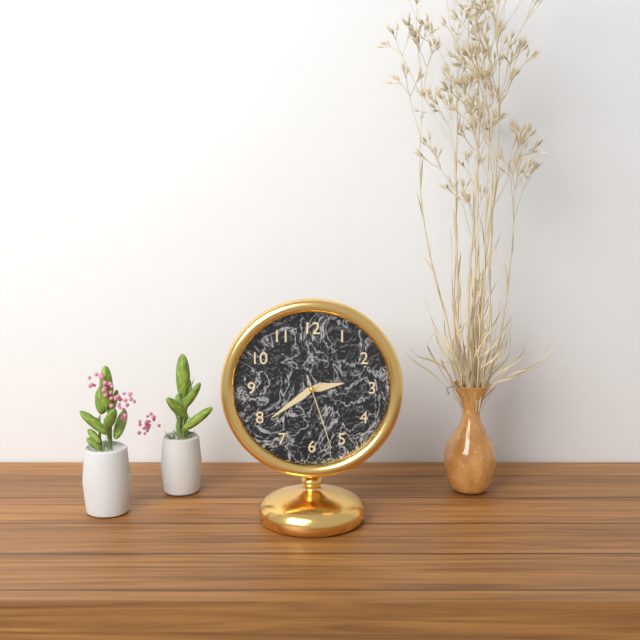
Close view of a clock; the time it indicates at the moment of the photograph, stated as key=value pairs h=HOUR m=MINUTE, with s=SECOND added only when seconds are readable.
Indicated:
h=2 m=39 s=27
